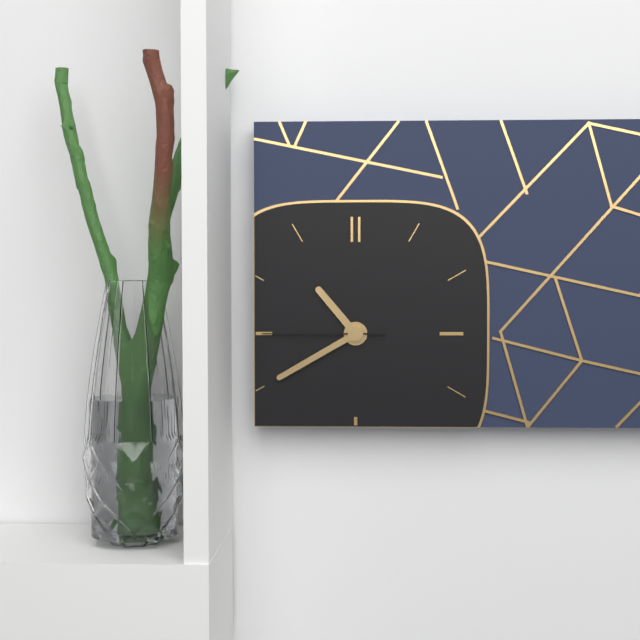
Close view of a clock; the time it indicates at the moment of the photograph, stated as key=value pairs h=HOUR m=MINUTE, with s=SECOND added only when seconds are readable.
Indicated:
h=10 m=40 s=45
